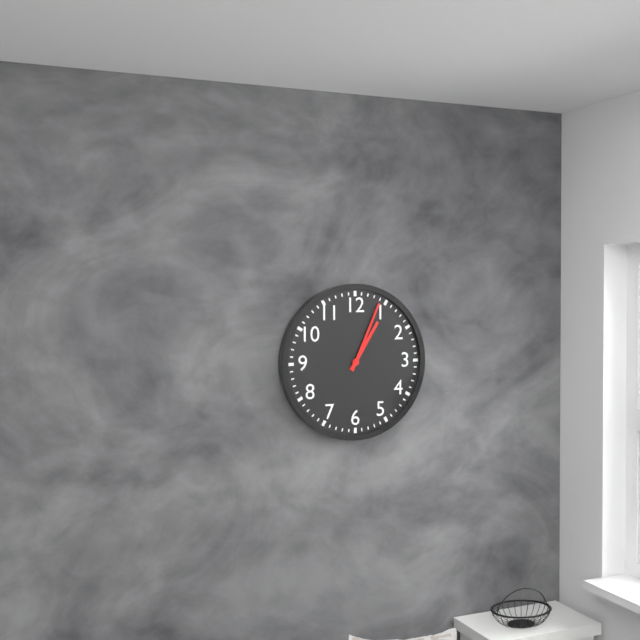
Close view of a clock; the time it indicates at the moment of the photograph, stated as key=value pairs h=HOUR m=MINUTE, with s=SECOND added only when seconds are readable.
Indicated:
h=1 m=4
